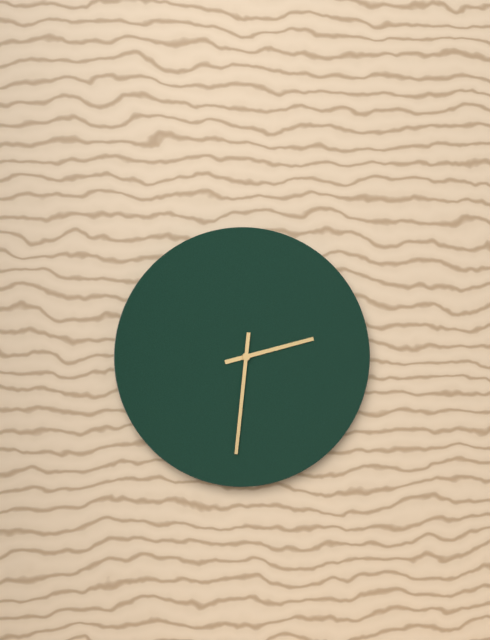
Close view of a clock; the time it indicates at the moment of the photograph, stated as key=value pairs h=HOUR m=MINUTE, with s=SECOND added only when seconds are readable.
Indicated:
h=2 m=31
